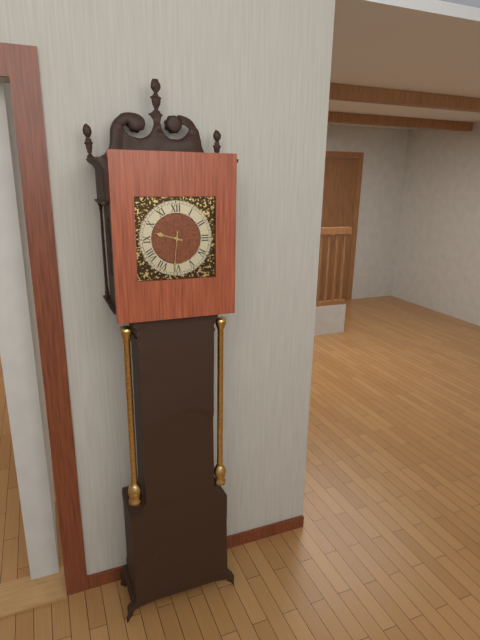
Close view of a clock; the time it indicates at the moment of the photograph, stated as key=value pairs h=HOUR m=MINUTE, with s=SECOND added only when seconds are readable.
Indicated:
h=9 m=31
